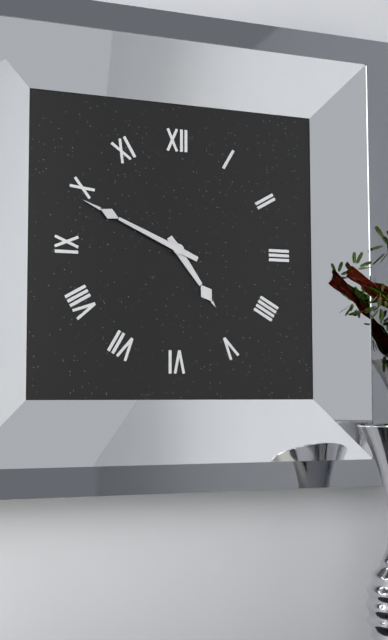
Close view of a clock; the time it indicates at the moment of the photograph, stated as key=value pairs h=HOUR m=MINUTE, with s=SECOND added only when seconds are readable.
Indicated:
h=4 m=49
